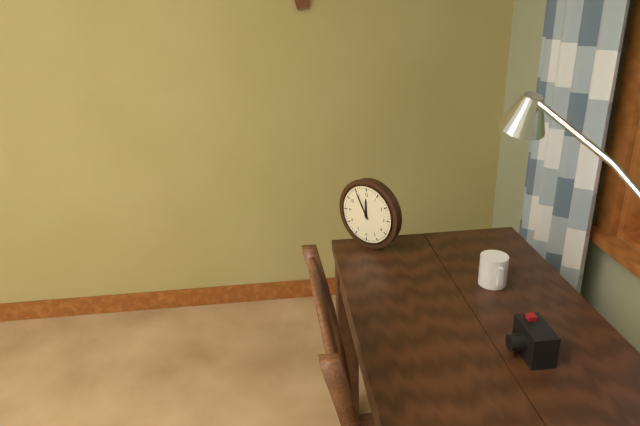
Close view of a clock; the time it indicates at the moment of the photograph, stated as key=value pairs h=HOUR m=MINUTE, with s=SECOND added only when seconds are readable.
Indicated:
h=11 m=55
